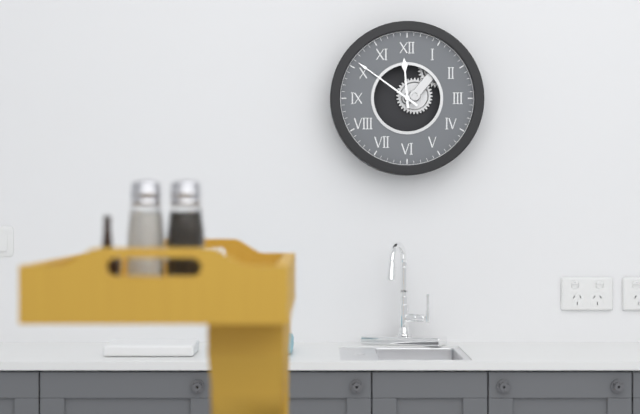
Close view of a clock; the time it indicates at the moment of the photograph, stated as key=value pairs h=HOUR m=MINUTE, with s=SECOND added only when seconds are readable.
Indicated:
h=11 m=51
